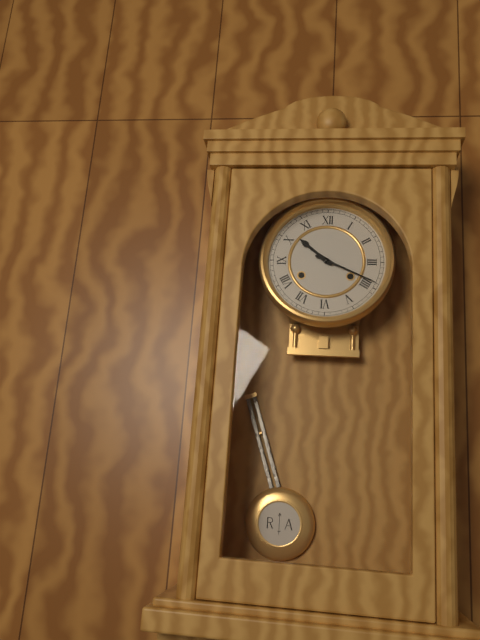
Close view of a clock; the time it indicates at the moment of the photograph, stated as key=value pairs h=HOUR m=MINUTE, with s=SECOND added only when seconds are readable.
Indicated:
h=10 m=19
